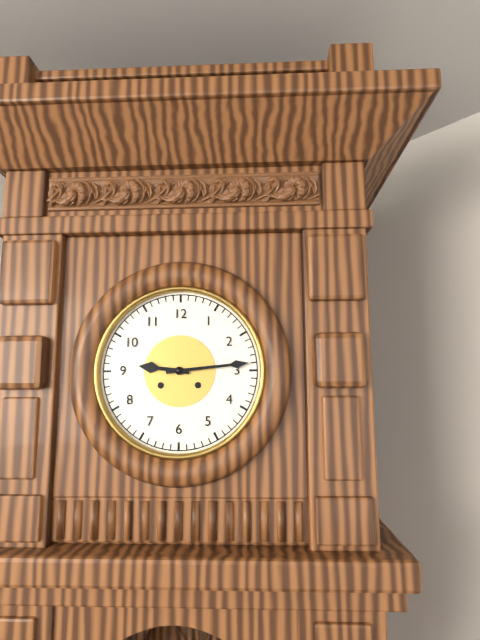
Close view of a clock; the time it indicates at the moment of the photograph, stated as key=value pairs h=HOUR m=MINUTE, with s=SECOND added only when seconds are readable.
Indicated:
h=9 m=14
